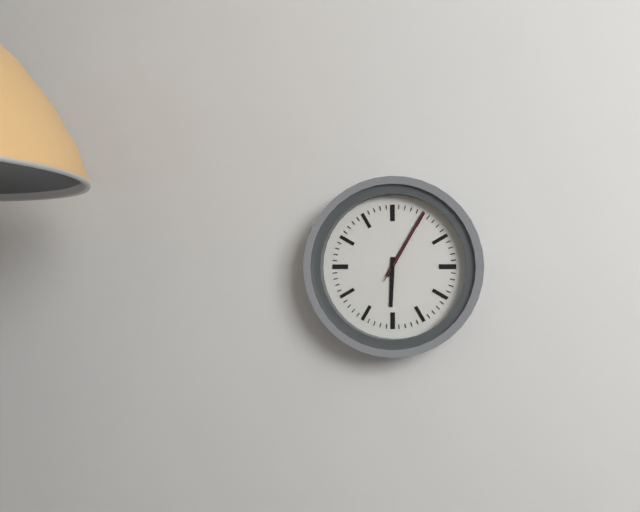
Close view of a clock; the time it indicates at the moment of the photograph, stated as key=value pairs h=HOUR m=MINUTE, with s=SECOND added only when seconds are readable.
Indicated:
h=6 m=5 s=5
